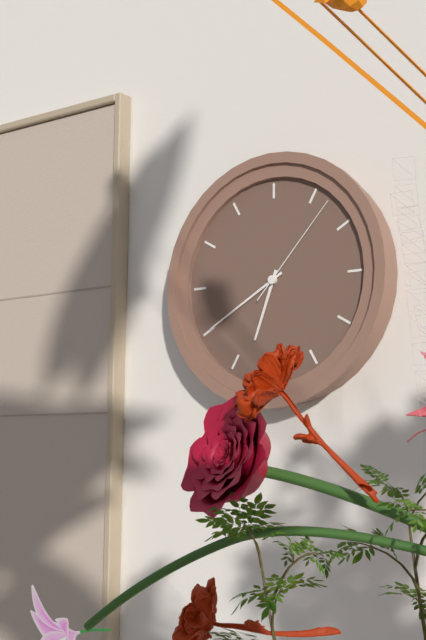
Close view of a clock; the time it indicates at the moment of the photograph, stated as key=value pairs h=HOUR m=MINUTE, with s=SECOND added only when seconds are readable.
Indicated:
h=6 m=40 s=7
